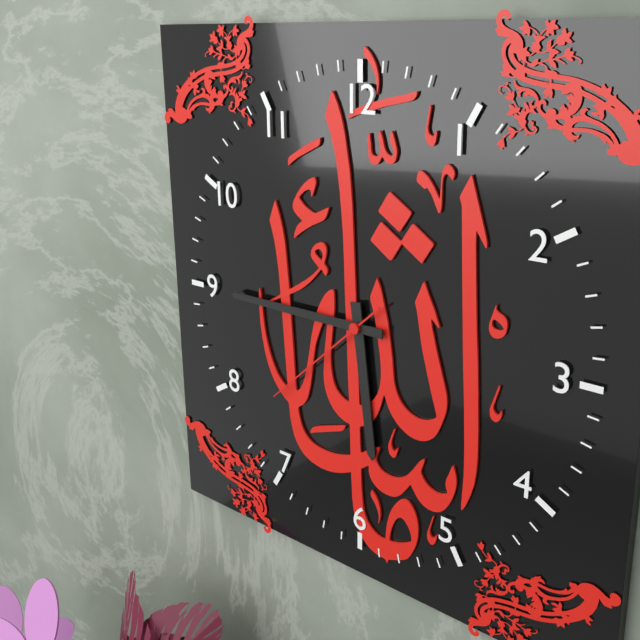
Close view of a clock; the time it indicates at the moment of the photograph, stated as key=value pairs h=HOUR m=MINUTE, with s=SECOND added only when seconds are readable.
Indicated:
h=5 m=45 s=38
